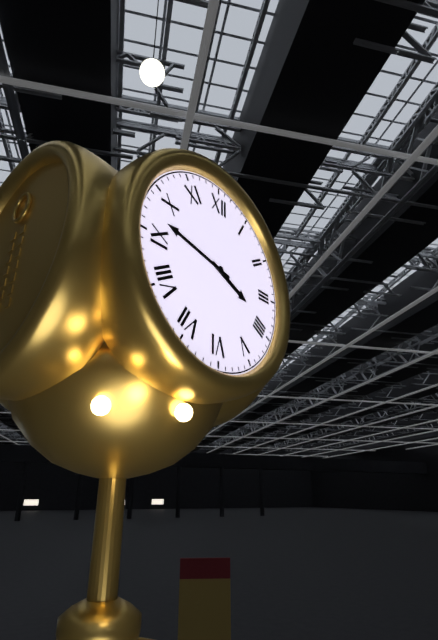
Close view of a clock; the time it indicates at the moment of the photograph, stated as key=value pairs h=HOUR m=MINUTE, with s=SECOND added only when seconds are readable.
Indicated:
h=3 m=47
